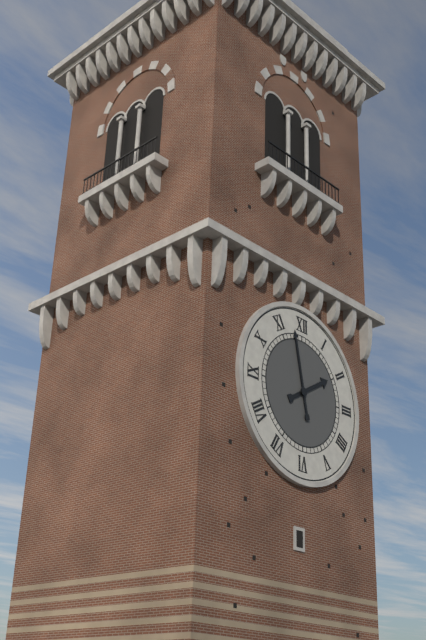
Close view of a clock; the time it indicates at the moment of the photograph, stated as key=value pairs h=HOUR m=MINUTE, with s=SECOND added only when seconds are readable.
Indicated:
h=1 m=58
